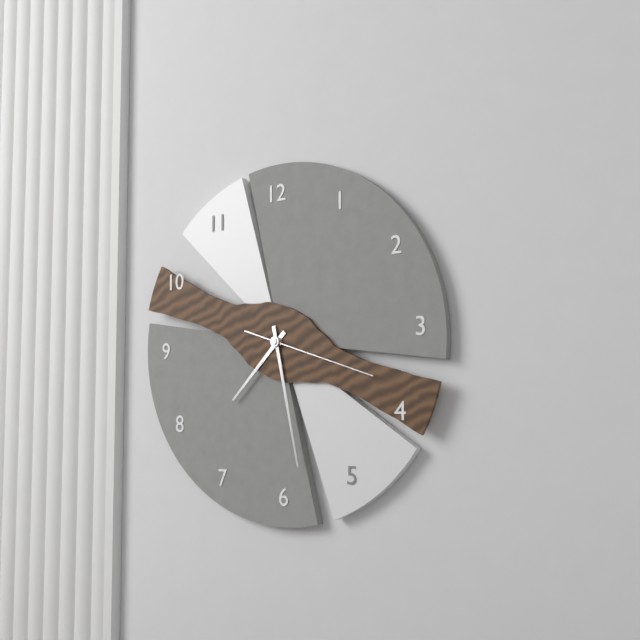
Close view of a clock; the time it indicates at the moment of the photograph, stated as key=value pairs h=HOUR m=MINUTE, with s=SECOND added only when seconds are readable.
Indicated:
h=7 m=28 s=18
